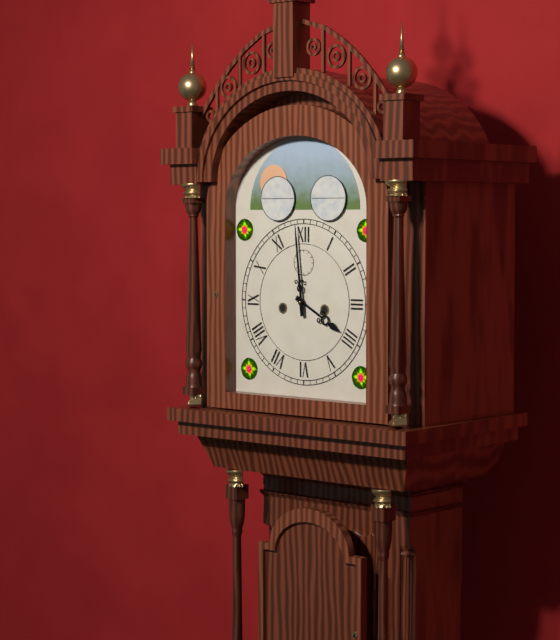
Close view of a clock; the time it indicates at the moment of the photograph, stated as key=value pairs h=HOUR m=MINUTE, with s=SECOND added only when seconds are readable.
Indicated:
h=3 m=59
